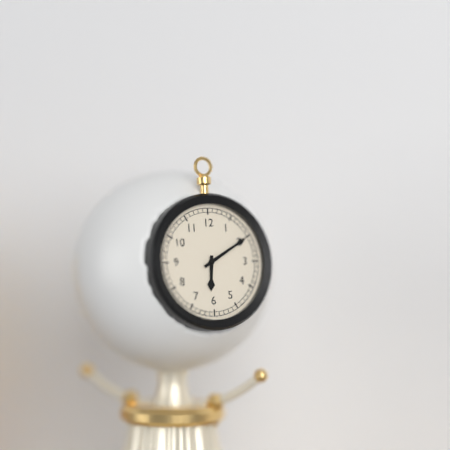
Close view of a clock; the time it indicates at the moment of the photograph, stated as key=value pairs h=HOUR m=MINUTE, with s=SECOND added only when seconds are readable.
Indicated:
h=6 m=10
